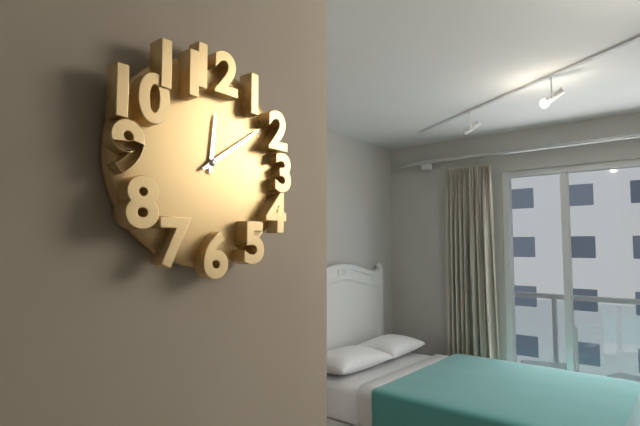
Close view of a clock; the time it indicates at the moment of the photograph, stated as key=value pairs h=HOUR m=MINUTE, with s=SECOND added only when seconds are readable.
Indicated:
h=12 m=9
